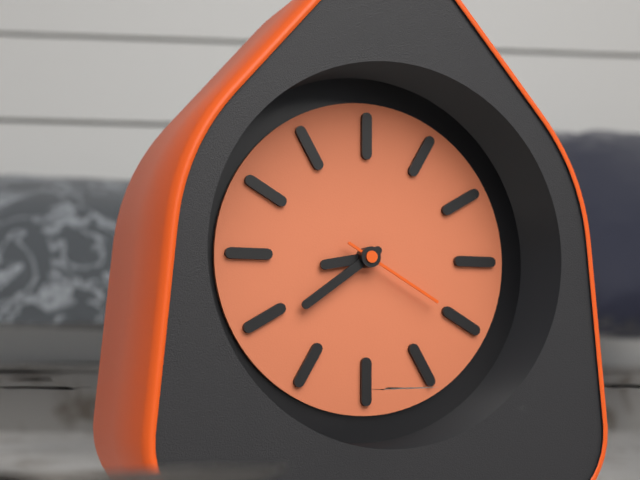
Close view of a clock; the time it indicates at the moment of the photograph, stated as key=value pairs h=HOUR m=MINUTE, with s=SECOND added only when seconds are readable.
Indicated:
h=8 m=39 s=20
